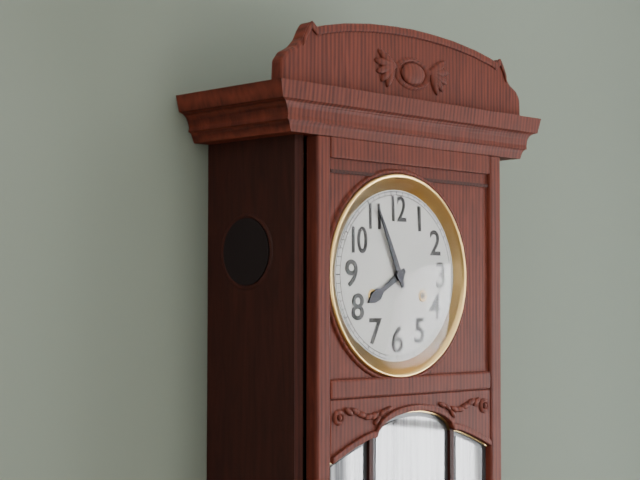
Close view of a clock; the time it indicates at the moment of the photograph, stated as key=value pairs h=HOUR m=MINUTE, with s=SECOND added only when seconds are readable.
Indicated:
h=7 m=56
